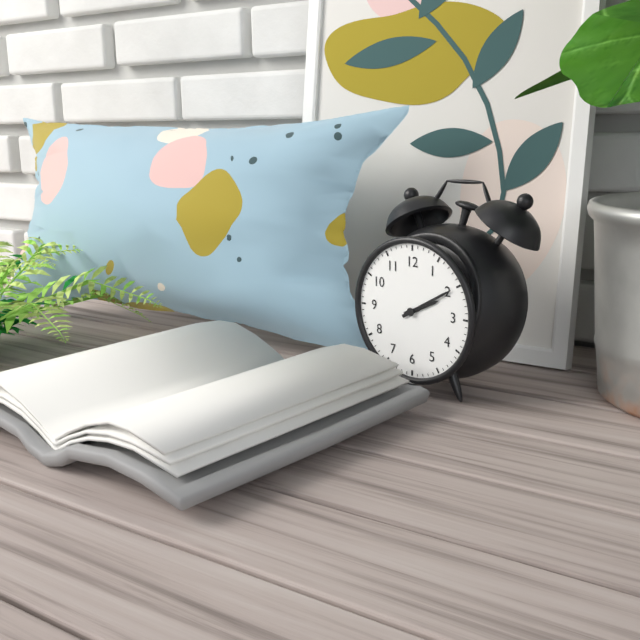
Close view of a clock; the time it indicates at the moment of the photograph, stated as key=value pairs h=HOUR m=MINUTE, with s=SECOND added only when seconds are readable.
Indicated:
h=2 m=10
